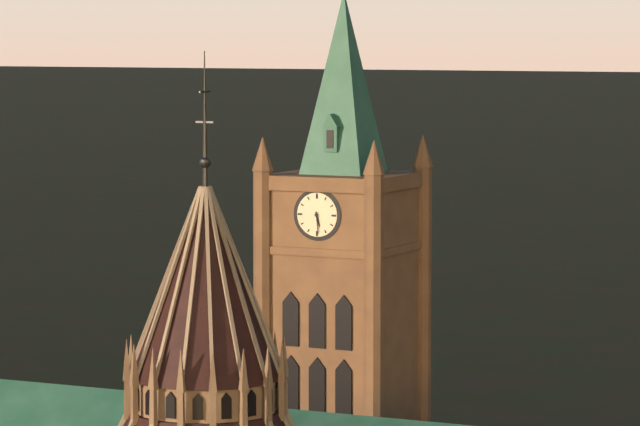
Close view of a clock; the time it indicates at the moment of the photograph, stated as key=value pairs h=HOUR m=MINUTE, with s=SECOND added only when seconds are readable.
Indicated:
h=5 m=29
